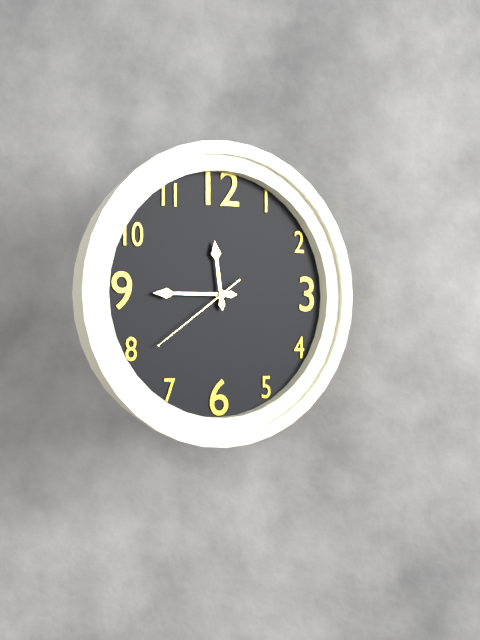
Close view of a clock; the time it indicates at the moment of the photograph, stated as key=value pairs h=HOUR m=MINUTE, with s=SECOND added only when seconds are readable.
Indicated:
h=11 m=45 s=39
